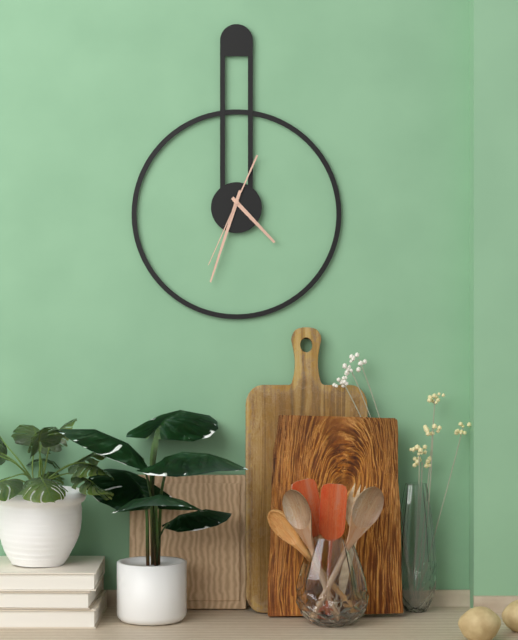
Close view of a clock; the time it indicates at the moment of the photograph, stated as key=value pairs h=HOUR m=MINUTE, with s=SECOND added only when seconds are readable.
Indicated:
h=4 m=33 s=34
